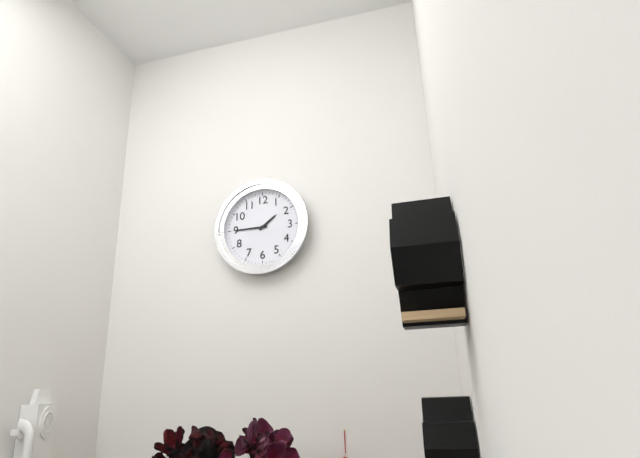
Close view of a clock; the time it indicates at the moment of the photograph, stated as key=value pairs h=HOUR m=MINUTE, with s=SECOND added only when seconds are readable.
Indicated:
h=1 m=45
